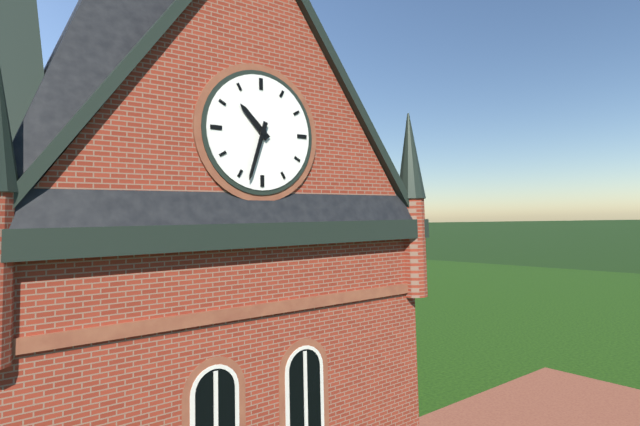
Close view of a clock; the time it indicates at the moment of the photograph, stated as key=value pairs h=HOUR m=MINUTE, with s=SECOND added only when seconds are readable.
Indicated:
h=10 m=33
